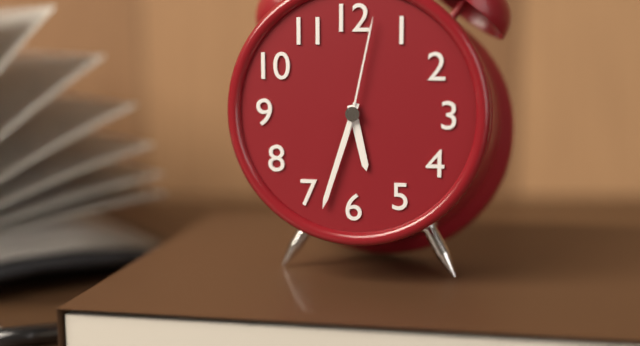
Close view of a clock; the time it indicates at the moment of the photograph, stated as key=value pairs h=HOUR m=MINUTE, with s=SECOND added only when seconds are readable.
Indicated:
h=5 m=33 s=2
